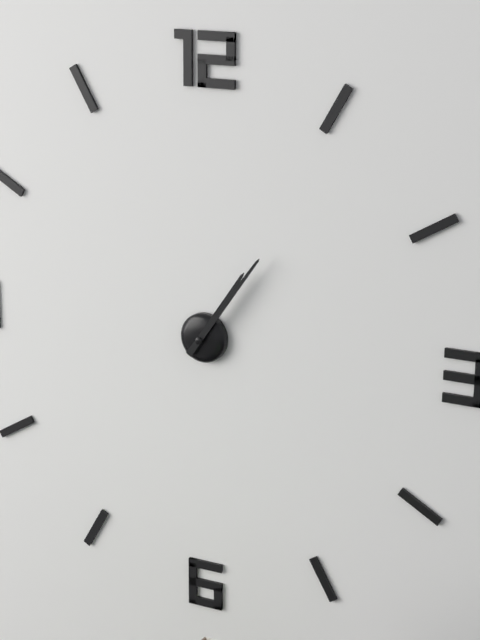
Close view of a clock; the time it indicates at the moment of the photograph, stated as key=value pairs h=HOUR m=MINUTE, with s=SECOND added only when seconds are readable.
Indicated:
h=1 m=6
